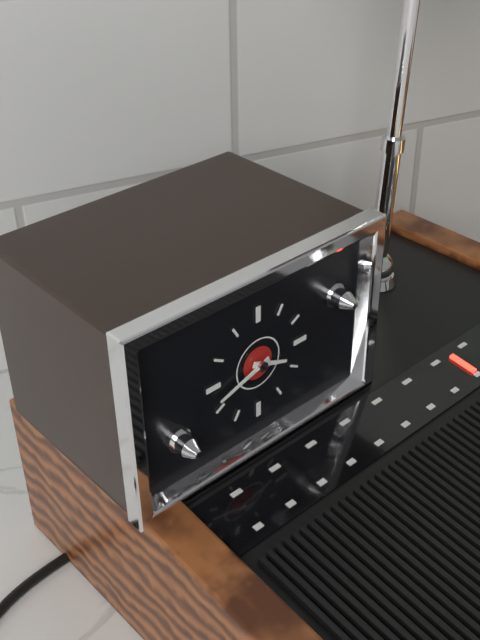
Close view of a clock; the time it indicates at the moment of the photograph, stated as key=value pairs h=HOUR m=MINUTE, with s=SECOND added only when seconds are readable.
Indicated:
h=3 m=42
